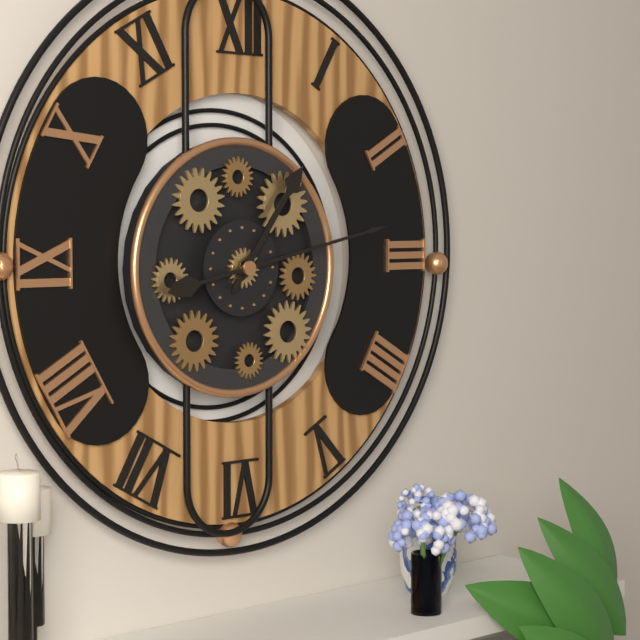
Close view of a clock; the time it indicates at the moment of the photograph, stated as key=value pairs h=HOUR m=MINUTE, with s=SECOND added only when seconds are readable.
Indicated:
h=1 m=13
